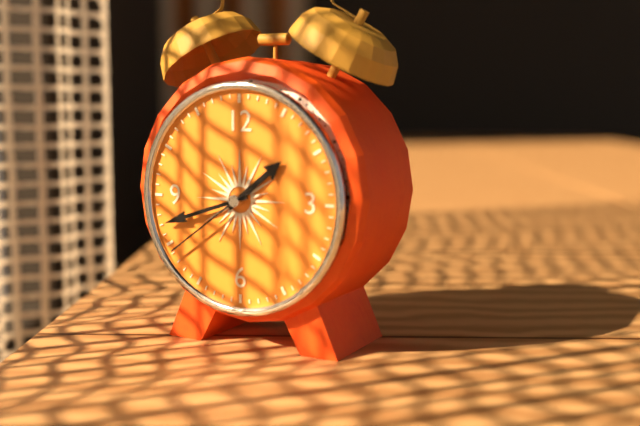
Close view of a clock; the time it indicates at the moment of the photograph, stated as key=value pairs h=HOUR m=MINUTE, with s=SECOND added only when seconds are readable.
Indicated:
h=1 m=42 s=39
